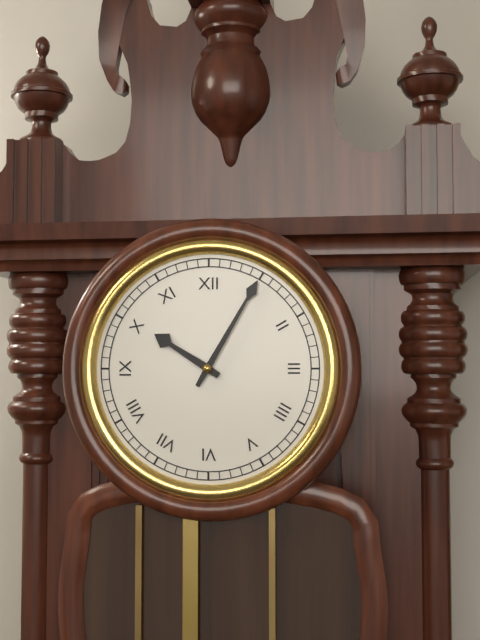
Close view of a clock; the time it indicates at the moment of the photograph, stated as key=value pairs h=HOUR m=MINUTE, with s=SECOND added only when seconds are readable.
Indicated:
h=10 m=5
